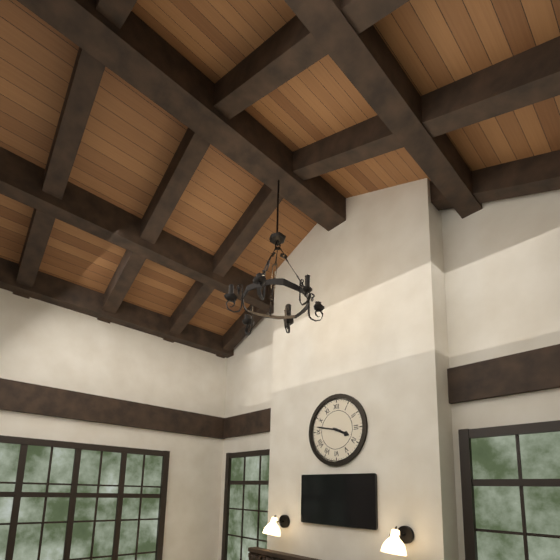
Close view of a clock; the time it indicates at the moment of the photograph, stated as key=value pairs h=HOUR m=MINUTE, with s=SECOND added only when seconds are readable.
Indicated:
h=3 m=47
